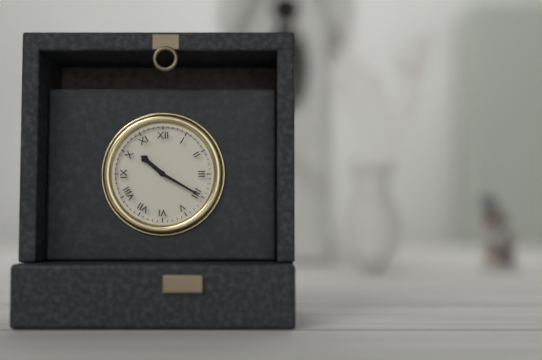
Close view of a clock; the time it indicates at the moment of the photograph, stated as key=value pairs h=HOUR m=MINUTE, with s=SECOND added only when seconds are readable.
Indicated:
h=10 m=20
